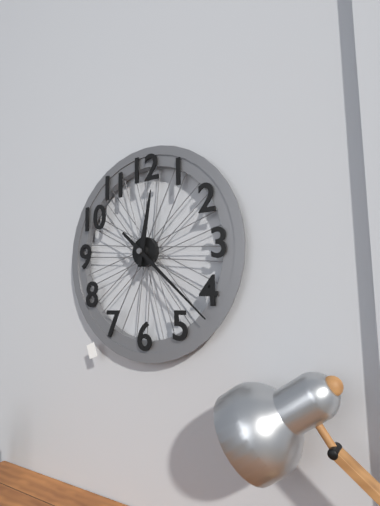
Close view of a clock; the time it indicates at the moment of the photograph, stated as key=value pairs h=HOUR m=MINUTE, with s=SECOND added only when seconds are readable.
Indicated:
h=12 m=22
